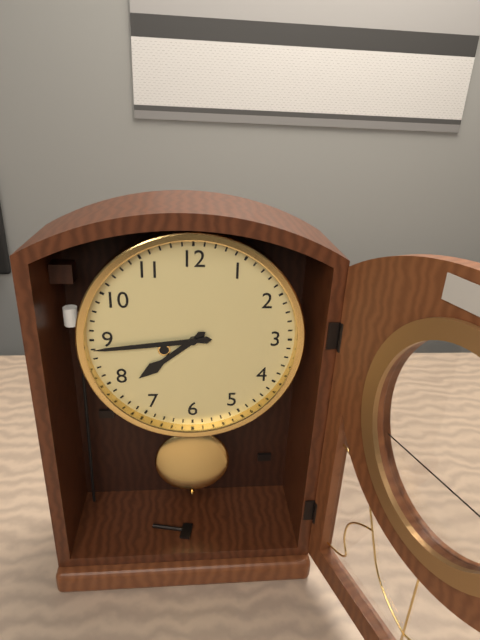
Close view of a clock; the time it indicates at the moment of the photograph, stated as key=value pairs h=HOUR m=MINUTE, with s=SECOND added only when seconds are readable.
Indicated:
h=7 m=44
